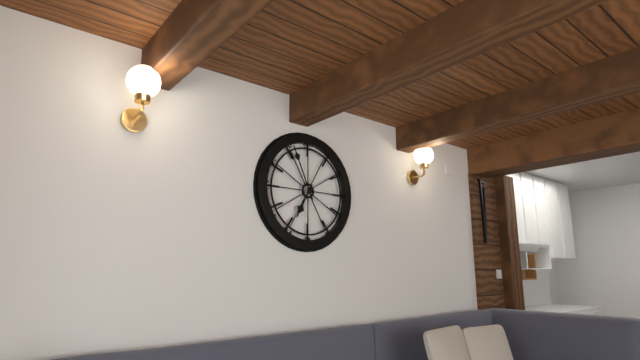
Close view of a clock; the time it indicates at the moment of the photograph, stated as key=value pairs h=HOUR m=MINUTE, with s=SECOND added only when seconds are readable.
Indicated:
h=6 m=56
